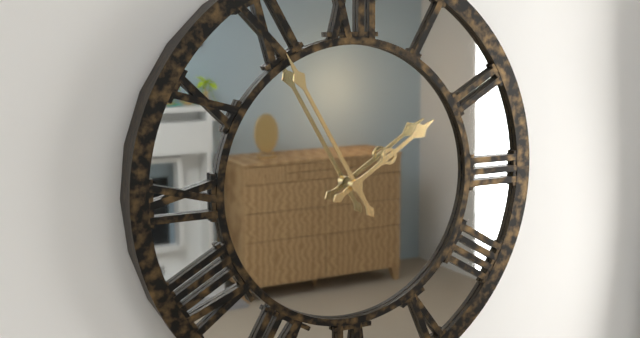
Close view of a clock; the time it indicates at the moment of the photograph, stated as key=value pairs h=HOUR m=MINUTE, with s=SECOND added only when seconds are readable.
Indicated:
h=1 m=55
